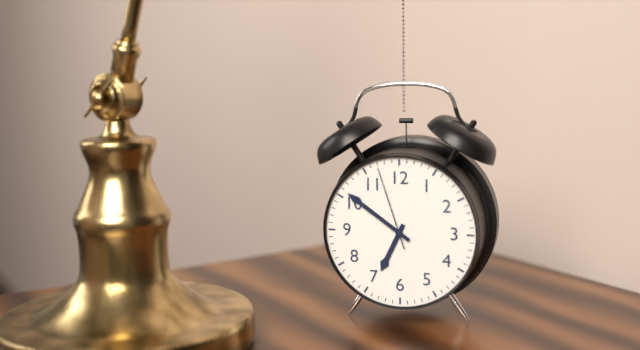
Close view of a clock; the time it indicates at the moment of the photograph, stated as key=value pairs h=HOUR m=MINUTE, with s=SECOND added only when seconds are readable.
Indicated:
h=6 m=51 s=57
